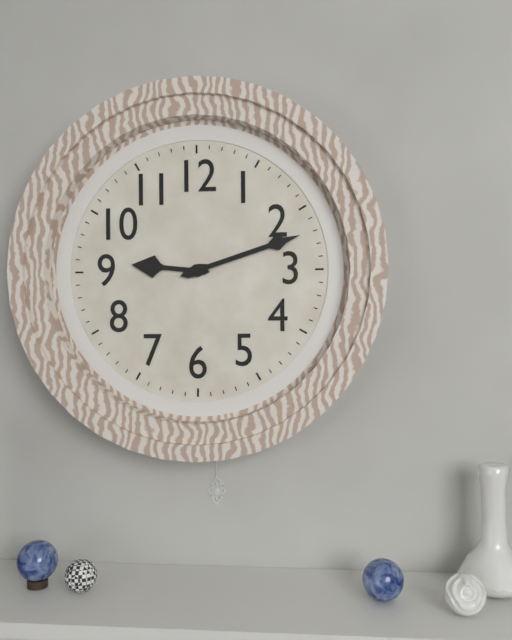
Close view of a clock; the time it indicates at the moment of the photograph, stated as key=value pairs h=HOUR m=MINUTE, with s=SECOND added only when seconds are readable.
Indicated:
h=9 m=12
